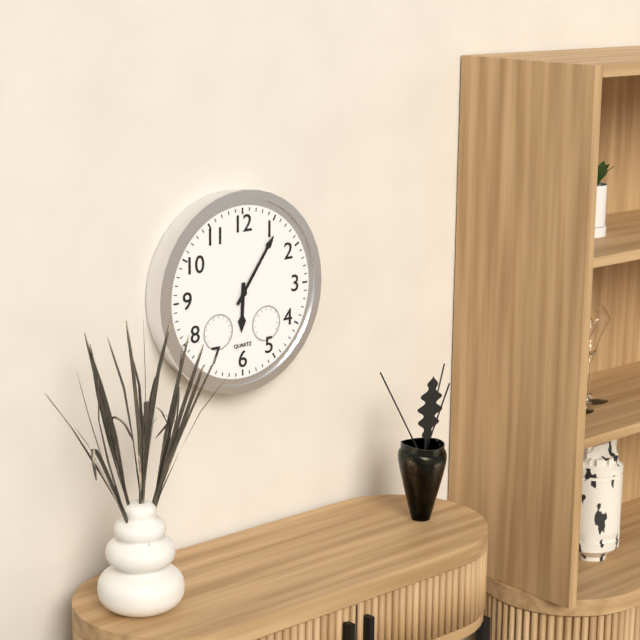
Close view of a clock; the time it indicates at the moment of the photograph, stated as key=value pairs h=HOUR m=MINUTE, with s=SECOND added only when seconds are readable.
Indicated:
h=6 m=6
